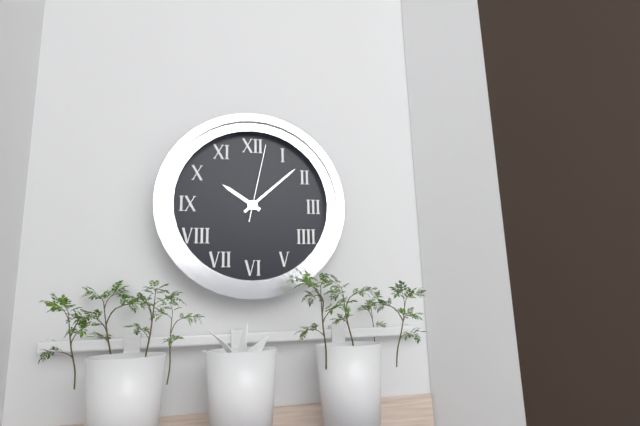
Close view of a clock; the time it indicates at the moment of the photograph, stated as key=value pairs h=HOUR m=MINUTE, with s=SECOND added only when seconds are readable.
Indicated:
h=10 m=8 s=2
